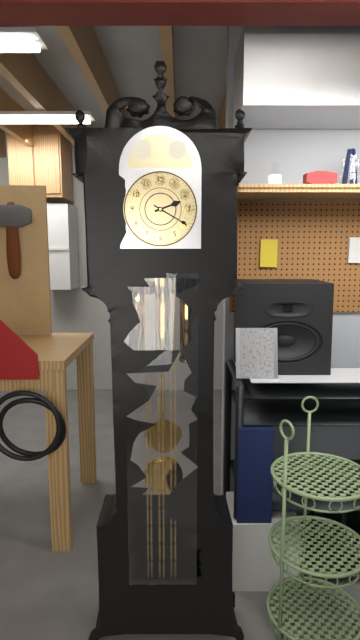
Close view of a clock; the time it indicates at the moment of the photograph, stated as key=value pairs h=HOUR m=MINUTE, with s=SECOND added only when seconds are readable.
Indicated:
h=2 m=20
